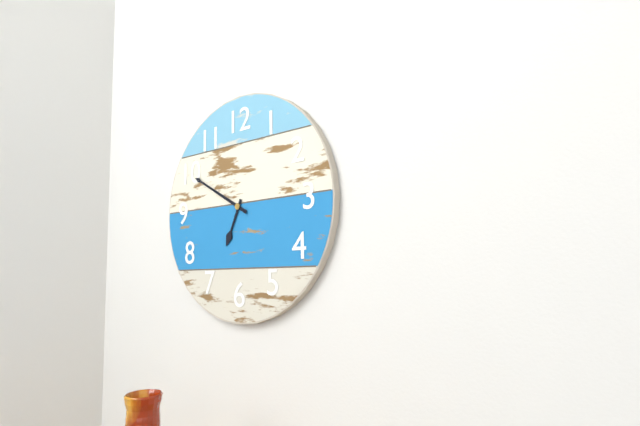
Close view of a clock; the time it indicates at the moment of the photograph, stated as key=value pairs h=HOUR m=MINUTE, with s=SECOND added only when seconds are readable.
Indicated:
h=6 m=50
